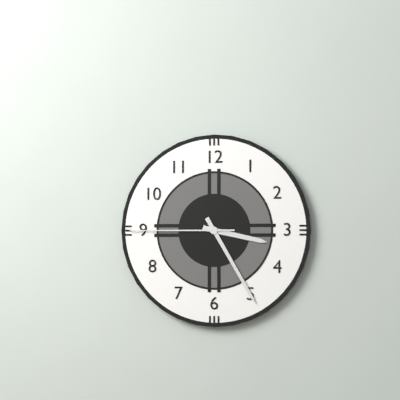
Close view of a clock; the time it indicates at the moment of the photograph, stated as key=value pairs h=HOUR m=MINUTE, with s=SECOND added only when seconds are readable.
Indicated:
h=3 m=25 s=45
